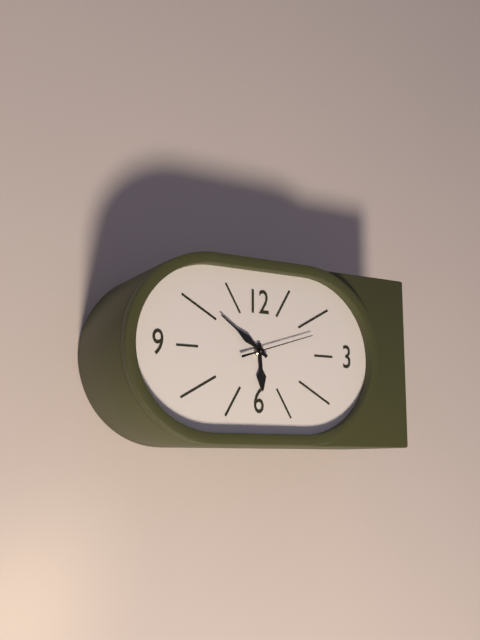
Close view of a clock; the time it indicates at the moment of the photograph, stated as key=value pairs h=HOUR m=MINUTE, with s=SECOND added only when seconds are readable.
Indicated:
h=5 m=51 s=12
